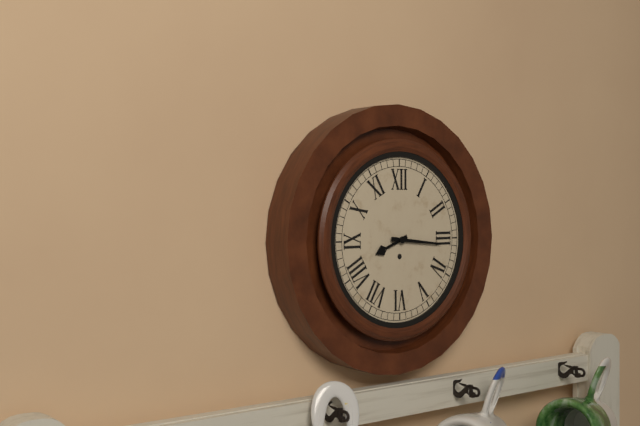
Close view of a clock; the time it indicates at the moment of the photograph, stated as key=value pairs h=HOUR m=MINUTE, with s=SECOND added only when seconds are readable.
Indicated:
h=8 m=16
